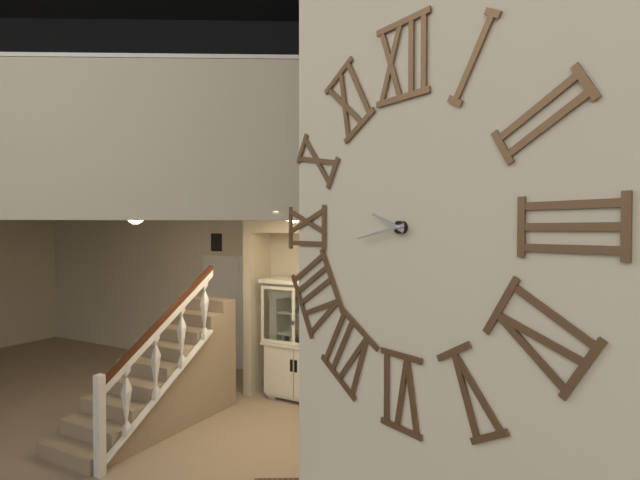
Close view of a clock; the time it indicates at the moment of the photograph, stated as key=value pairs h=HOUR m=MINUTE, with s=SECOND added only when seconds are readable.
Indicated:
h=9 m=43
